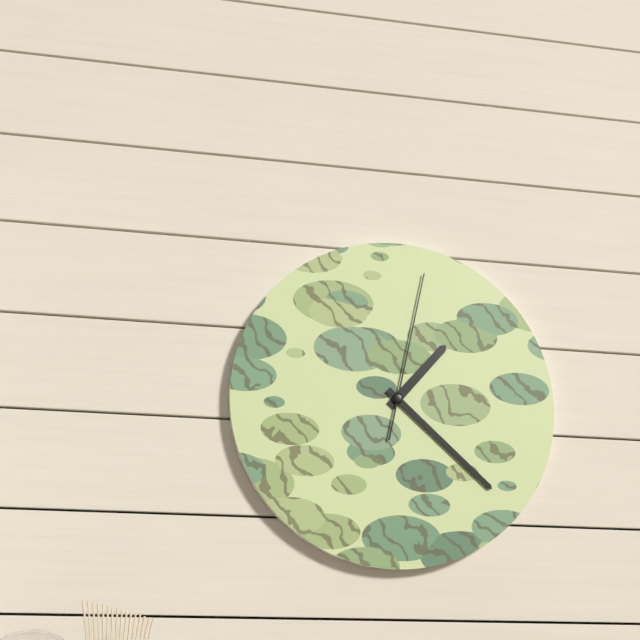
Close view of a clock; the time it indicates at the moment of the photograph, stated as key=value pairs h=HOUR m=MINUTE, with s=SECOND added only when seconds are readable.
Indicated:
h=1 m=22 s=2
